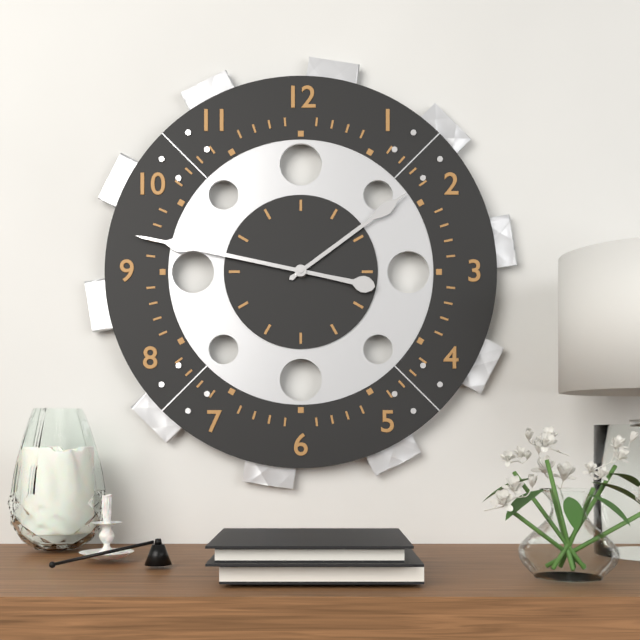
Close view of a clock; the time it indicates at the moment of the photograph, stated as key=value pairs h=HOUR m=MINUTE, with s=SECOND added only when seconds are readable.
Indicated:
h=1 m=47
